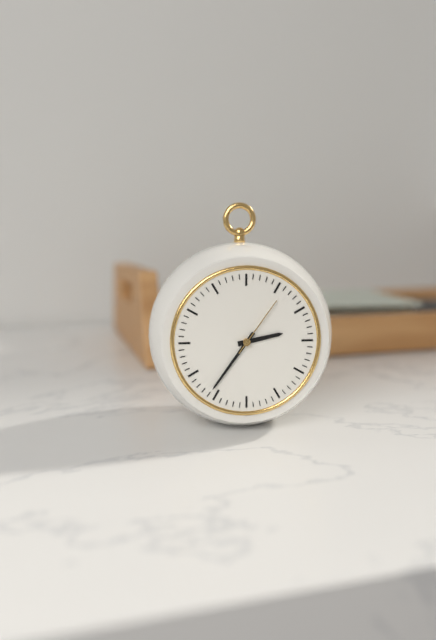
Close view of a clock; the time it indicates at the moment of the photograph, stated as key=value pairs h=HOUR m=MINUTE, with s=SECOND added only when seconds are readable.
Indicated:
h=2 m=36 s=6
